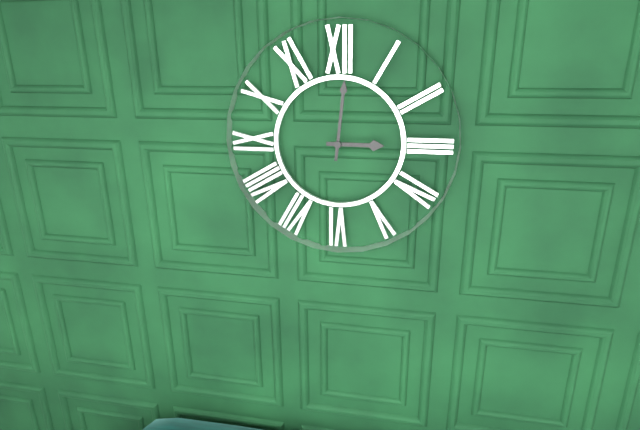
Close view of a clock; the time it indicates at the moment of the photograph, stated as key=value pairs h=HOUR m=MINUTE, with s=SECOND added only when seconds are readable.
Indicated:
h=3 m=1
